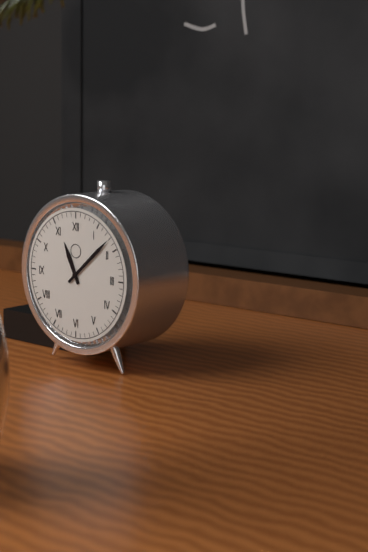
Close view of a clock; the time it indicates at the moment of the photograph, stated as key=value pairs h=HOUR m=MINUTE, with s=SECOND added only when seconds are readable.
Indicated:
h=11 m=8
